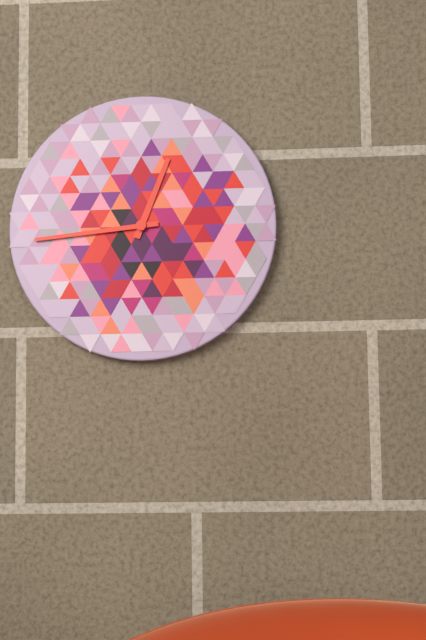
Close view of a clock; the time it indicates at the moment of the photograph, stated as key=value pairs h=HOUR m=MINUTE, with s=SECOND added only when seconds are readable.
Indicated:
h=12 m=44
